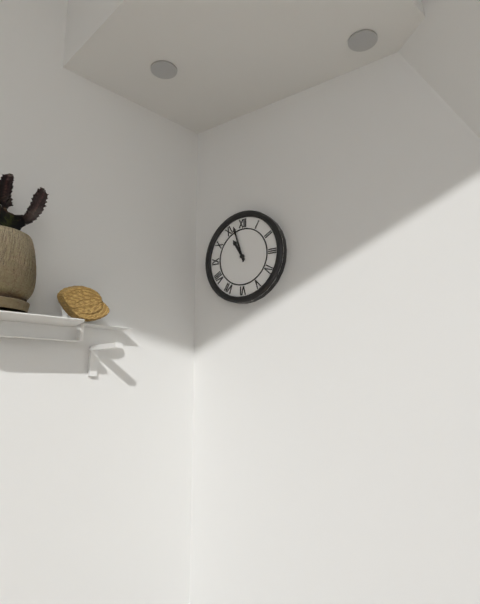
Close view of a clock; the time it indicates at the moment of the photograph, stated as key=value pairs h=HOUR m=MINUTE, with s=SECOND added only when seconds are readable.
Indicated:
h=10 m=57
